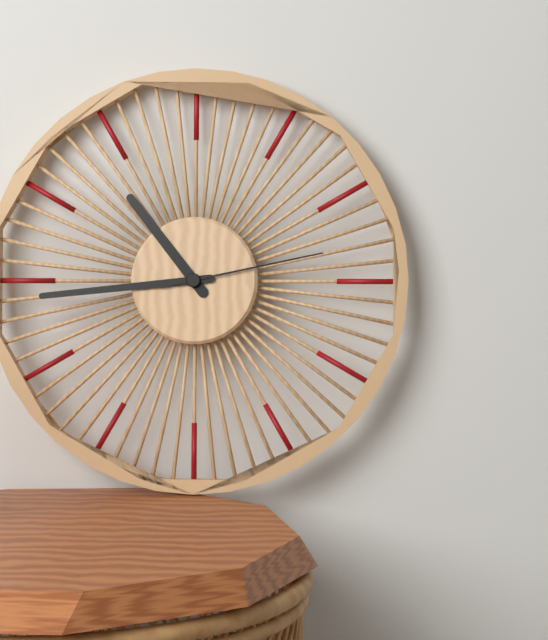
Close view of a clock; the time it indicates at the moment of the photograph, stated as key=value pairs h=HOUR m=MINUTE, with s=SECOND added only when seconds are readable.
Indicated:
h=10 m=44 s=13
